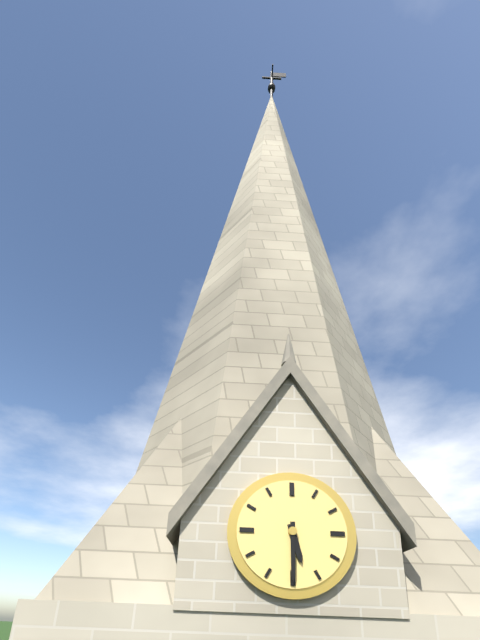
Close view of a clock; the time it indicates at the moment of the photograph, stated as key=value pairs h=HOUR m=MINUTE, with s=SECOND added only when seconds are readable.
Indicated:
h=5 m=30
